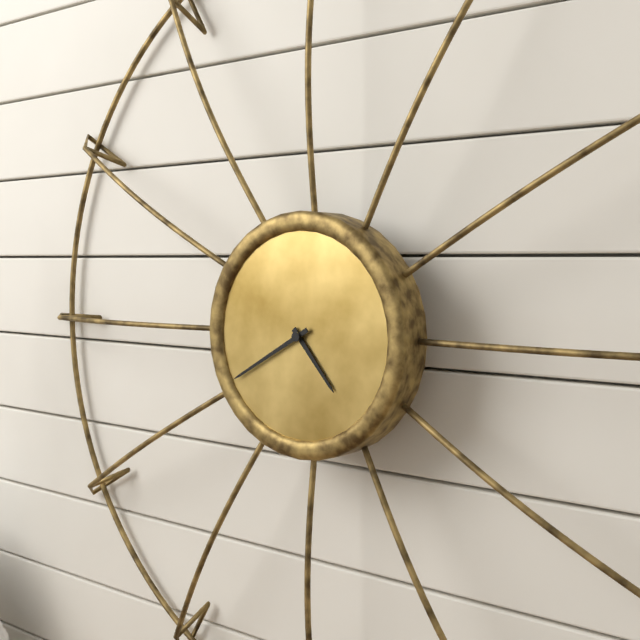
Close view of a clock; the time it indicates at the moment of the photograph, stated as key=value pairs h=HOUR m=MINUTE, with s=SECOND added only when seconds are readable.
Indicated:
h=4 m=40
